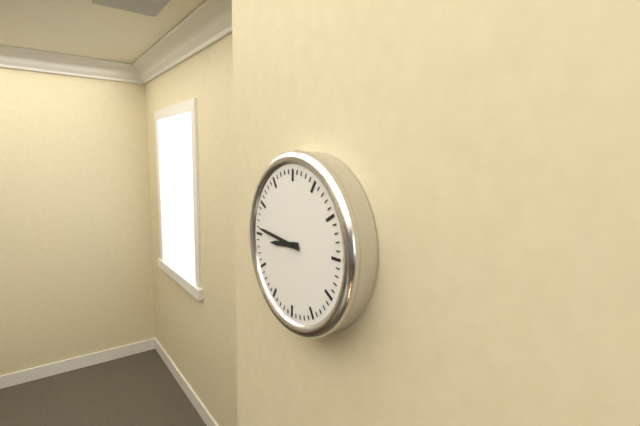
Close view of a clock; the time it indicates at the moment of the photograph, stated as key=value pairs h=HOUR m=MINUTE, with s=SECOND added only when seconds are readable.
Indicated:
h=8 m=46
